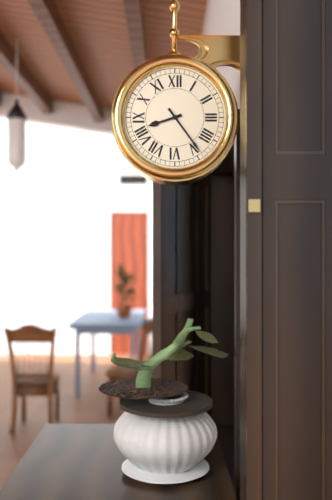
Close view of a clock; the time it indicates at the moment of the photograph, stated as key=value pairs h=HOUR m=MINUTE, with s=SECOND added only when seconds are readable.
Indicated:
h=8 m=24
